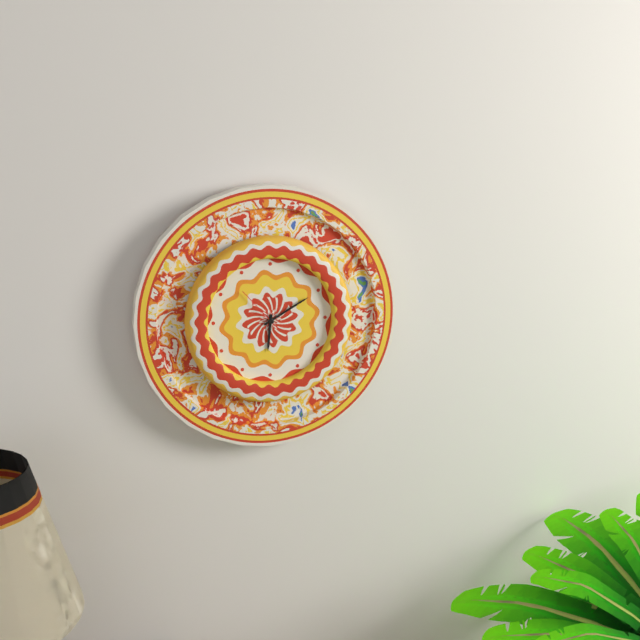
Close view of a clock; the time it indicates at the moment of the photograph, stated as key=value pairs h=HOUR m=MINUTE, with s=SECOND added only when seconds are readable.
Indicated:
h=6 m=10 s=53
